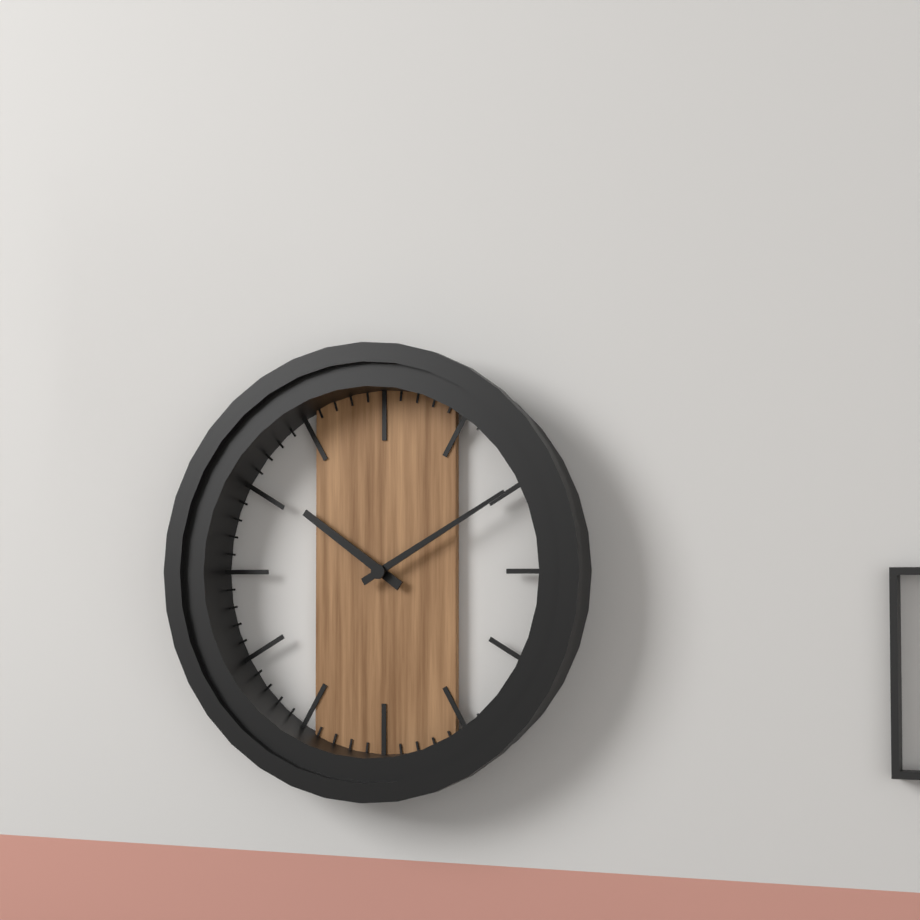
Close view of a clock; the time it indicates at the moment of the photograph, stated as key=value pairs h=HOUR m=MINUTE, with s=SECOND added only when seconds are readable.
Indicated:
h=10 m=10
